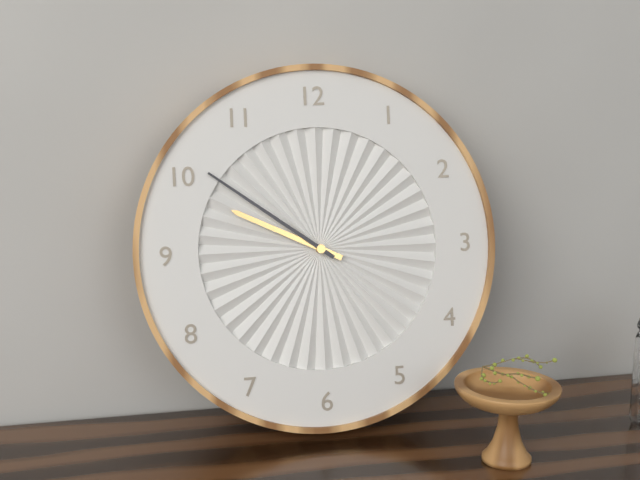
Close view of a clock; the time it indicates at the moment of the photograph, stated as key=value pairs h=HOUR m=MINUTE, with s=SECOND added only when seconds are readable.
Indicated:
h=9 m=51
